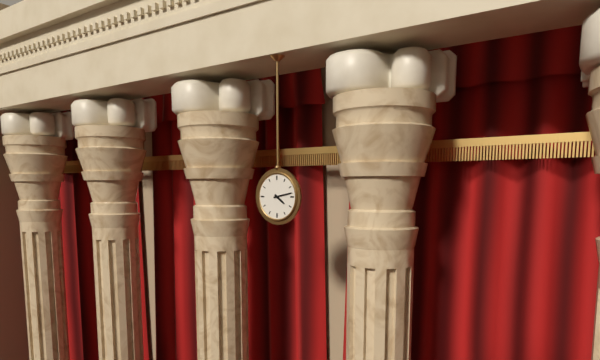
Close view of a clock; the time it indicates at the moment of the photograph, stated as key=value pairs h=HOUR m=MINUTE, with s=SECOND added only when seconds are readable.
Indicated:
h=4 m=13
